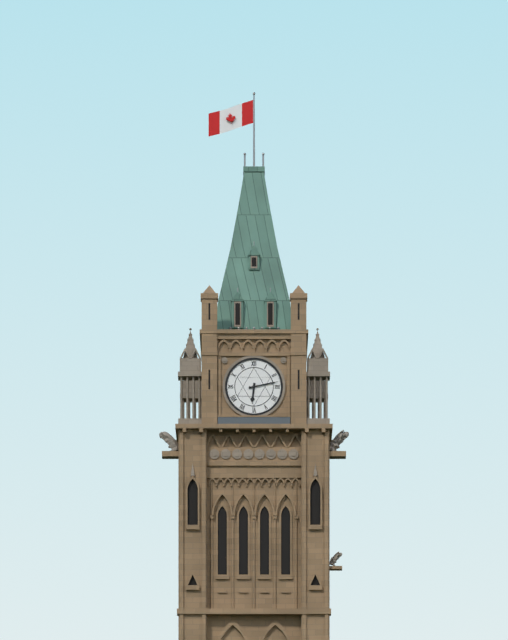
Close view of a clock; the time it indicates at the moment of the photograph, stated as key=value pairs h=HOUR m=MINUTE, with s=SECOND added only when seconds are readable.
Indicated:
h=6 m=13
